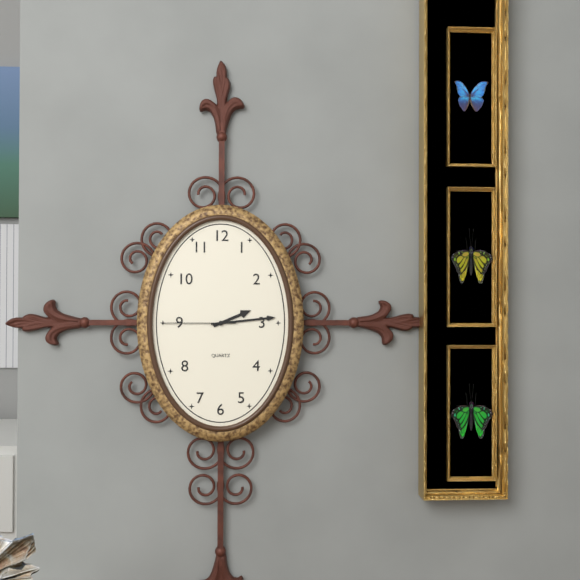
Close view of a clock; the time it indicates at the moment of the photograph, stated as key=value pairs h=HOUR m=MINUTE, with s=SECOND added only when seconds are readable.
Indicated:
h=2 m=14 s=45
